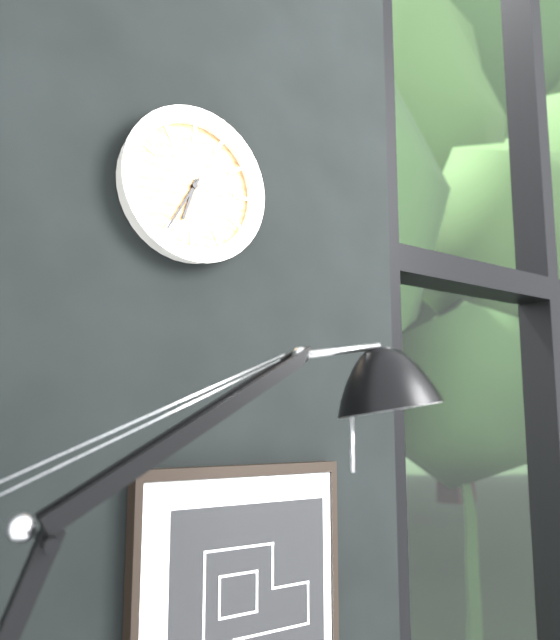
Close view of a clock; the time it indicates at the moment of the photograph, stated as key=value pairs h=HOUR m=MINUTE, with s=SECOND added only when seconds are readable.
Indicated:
h=6 m=35
